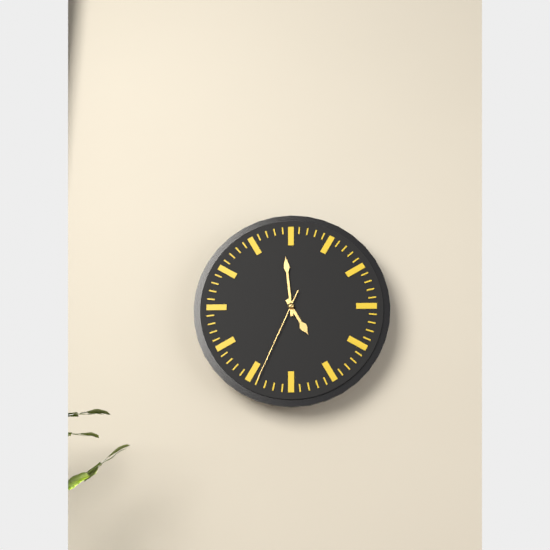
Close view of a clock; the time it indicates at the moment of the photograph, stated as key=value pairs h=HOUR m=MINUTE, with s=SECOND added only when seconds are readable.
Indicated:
h=4 m=59 s=34
